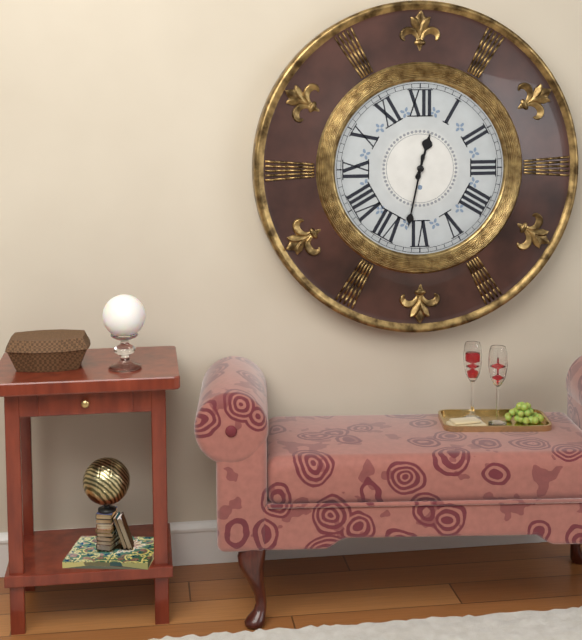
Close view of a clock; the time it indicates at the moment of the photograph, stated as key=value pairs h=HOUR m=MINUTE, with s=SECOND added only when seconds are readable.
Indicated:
h=12 m=32
